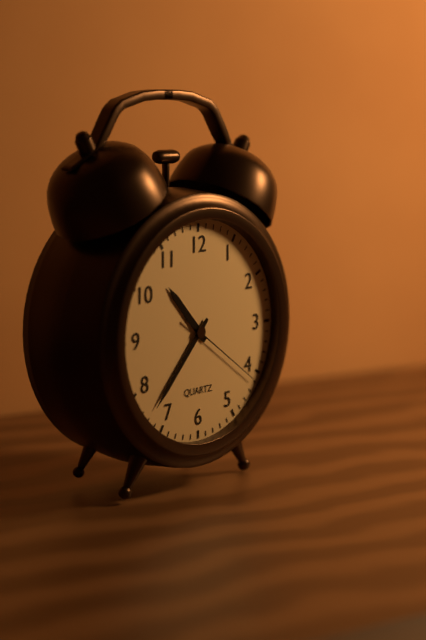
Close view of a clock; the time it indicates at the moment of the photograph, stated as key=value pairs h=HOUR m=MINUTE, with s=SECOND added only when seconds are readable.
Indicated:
h=10 m=37 s=21
